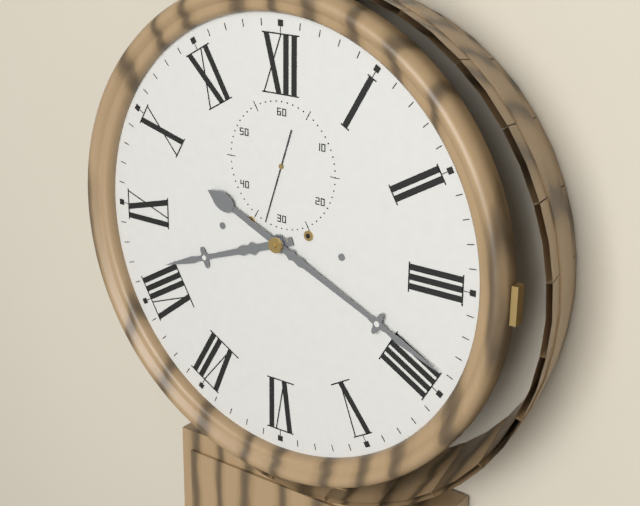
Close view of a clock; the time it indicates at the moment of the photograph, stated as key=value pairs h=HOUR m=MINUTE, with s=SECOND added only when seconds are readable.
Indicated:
h=8 m=19 s=33
